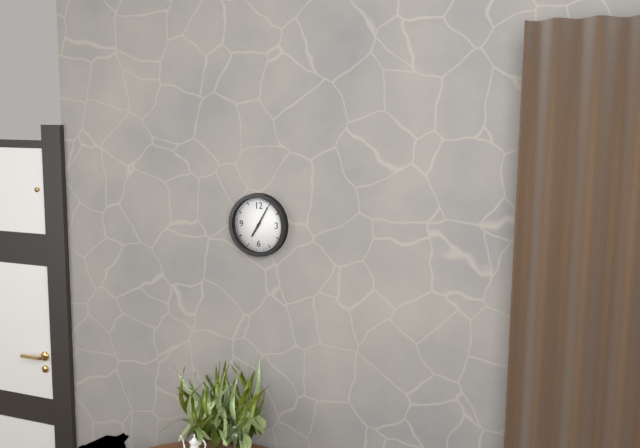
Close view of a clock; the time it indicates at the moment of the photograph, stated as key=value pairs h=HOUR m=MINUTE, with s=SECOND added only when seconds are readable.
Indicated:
h=7 m=5
